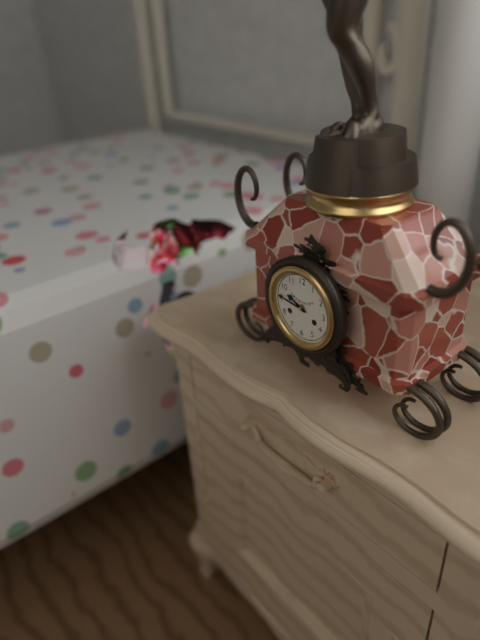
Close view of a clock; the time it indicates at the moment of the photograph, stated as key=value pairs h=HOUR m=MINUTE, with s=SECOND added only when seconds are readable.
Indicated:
h=9 m=46
